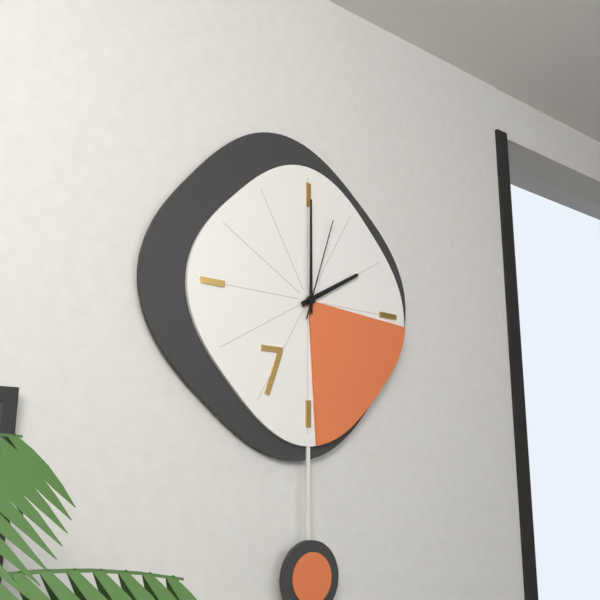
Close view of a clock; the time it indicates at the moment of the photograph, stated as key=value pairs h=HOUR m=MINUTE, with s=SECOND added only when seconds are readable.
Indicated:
h=2 m=0 s=3
